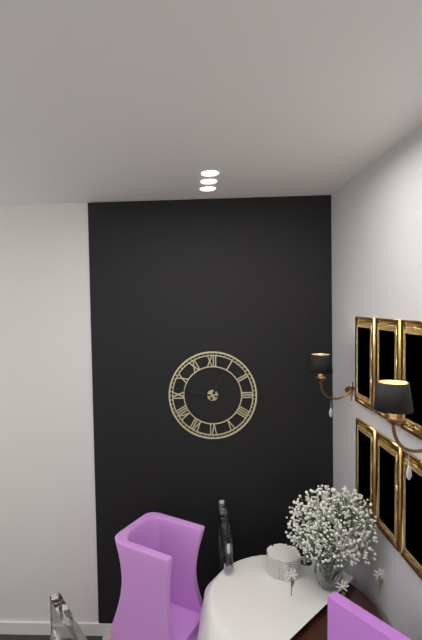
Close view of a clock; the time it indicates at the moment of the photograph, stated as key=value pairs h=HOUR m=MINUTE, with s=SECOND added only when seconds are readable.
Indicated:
h=12 m=47
